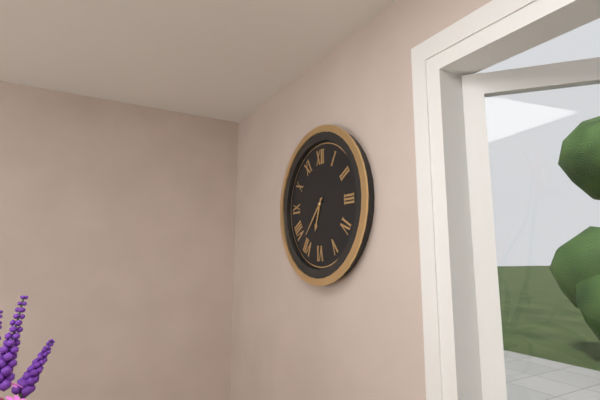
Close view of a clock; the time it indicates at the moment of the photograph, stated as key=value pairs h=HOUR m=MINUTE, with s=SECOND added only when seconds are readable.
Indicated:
h=6 m=37
